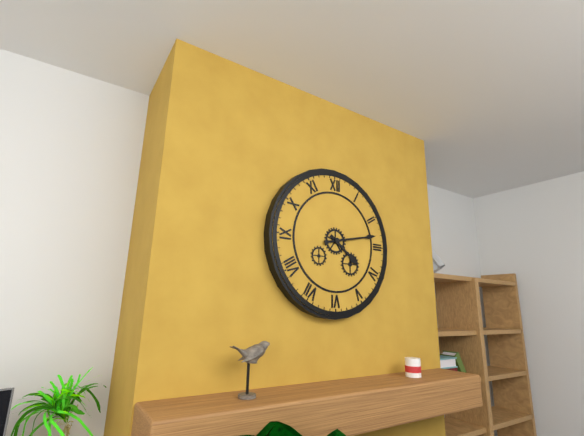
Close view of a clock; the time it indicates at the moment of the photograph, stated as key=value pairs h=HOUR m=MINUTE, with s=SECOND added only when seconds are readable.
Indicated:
h=4 m=13
